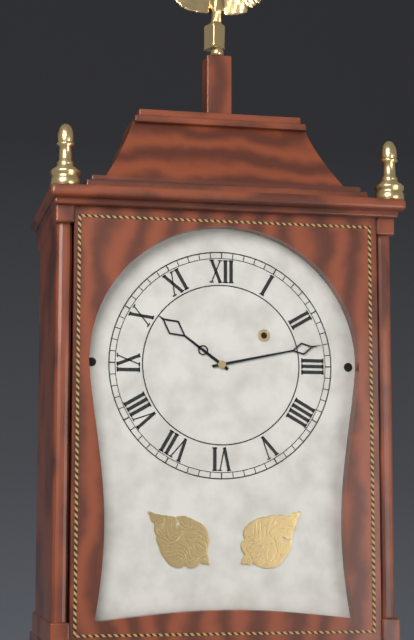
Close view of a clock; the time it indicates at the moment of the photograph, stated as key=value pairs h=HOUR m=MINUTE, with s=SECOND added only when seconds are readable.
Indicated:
h=10 m=13
